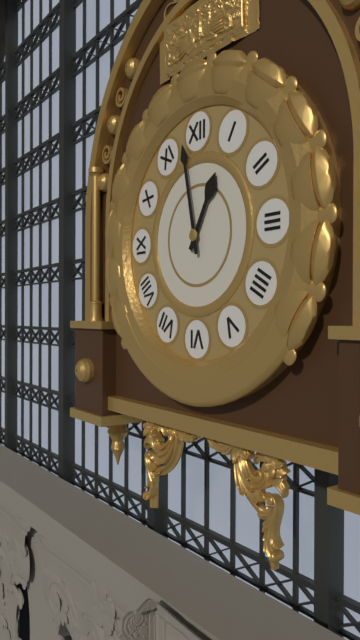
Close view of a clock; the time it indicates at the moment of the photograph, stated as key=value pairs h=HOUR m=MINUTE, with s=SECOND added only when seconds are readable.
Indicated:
h=12 m=58
